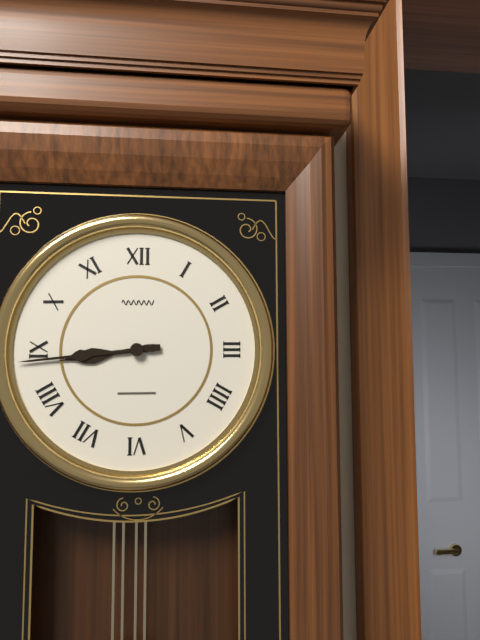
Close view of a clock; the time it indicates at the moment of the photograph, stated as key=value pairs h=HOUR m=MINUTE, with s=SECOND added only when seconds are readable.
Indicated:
h=8 m=44
